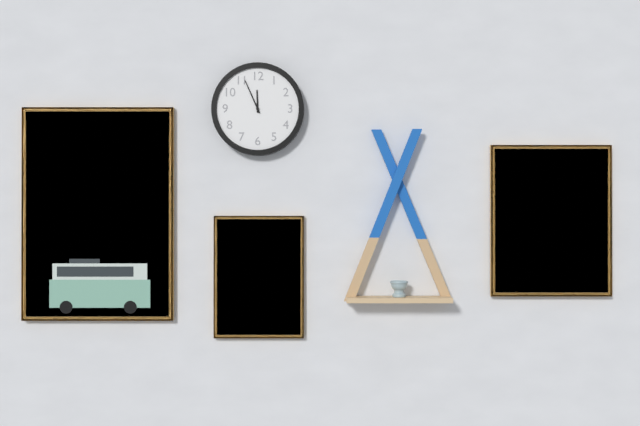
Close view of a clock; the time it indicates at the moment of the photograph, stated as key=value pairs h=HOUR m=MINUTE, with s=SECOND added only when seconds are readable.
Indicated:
h=11 m=56
